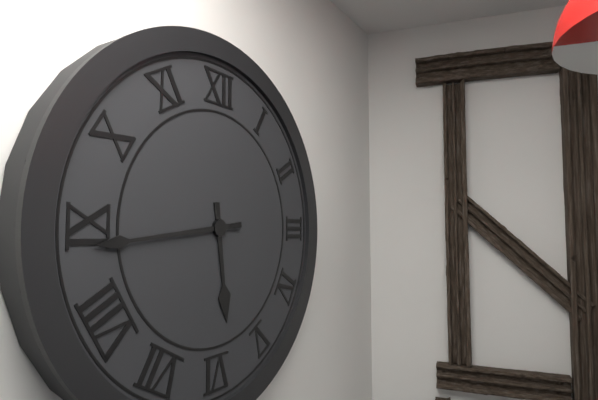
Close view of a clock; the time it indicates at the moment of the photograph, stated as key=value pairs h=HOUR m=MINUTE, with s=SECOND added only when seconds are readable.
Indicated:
h=5 m=44
